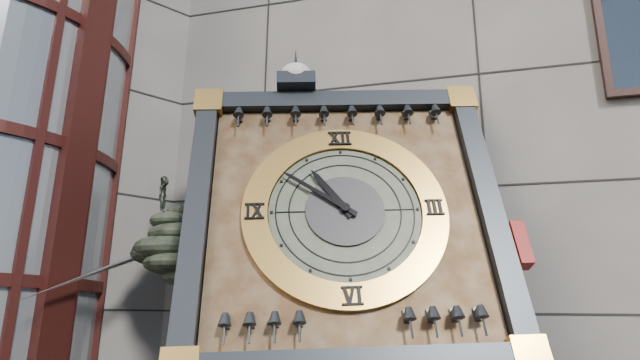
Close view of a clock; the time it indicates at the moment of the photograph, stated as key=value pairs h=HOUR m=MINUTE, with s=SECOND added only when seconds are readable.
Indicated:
h=10 m=51
